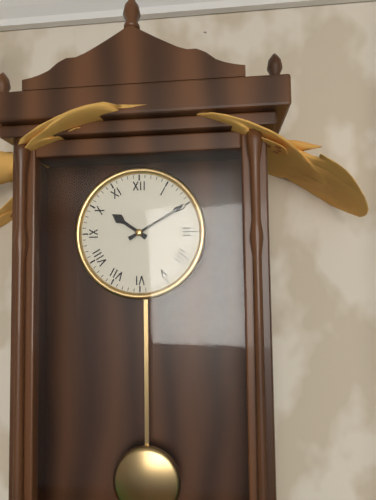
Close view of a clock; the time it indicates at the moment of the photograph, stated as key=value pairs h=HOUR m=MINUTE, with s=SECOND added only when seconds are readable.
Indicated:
h=10 m=10
